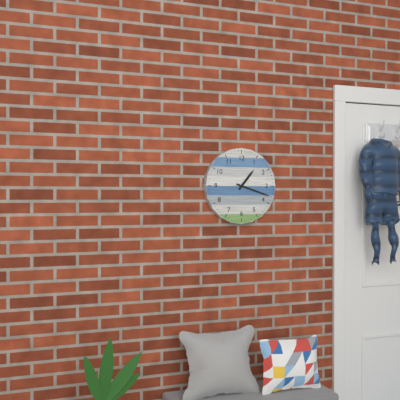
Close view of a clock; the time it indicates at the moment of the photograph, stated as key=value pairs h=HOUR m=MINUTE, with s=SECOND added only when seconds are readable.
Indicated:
h=1 m=18
